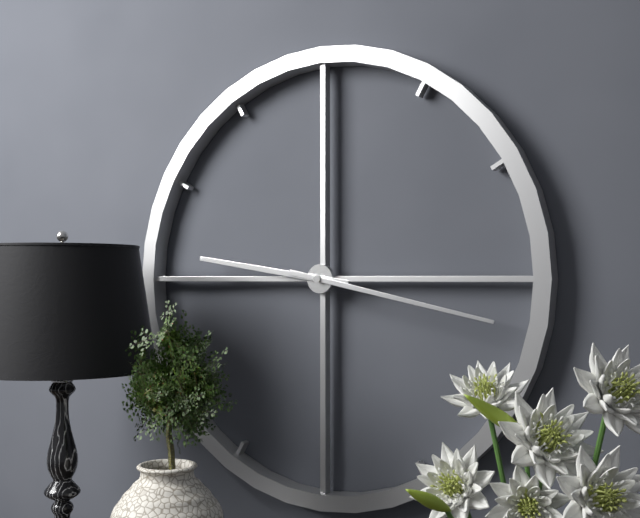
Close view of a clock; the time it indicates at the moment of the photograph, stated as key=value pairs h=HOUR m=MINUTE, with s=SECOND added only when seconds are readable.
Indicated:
h=9 m=17
